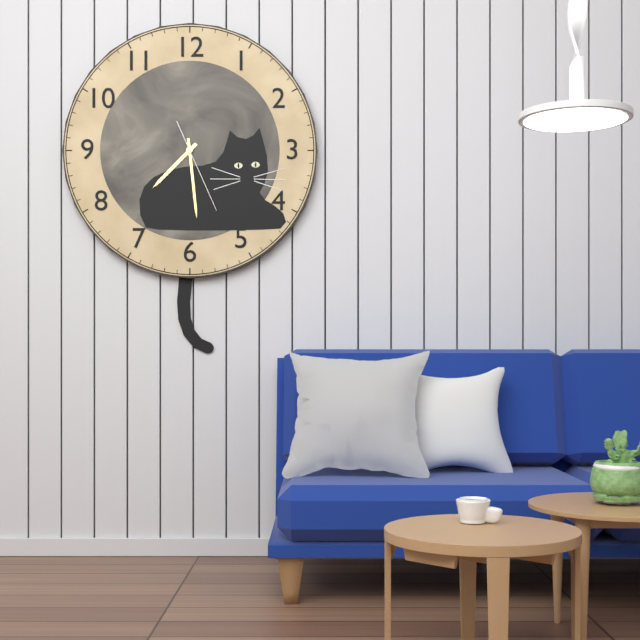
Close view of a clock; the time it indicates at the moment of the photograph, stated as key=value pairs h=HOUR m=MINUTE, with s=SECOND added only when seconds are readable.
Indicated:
h=7 m=29 s=26
